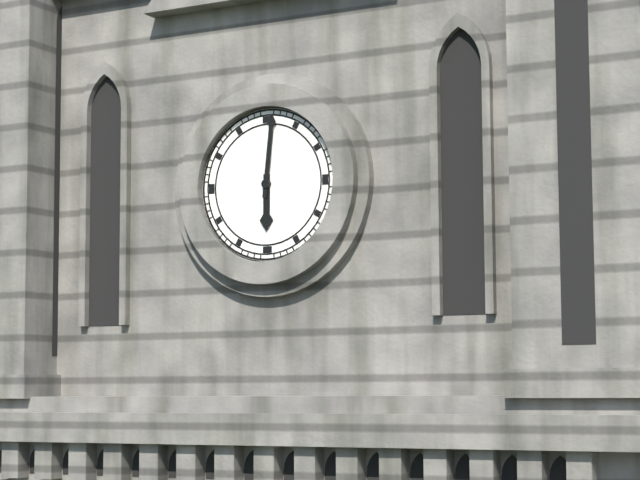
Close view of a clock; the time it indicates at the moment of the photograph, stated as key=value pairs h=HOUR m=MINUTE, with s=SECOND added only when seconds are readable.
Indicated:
h=6 m=1
